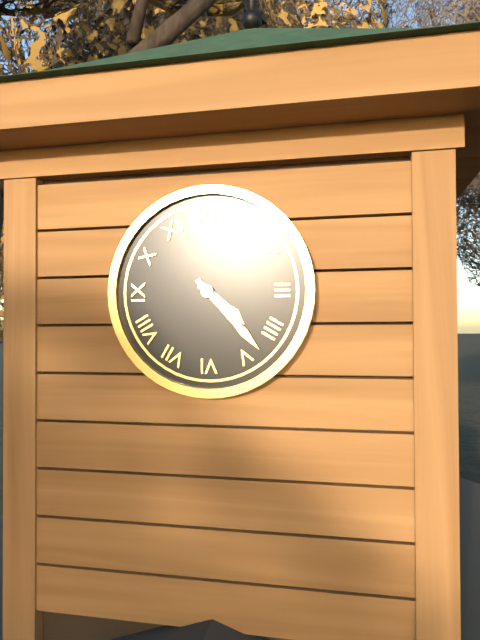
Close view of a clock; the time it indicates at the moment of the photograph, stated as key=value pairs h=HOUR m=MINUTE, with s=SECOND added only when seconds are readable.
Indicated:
h=4 m=23
